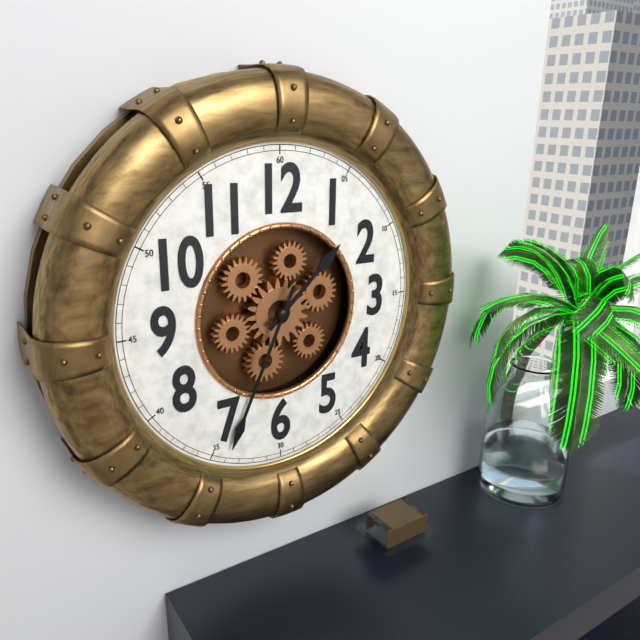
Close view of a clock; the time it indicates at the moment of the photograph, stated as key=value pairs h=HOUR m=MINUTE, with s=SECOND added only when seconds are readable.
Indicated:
h=1 m=34
